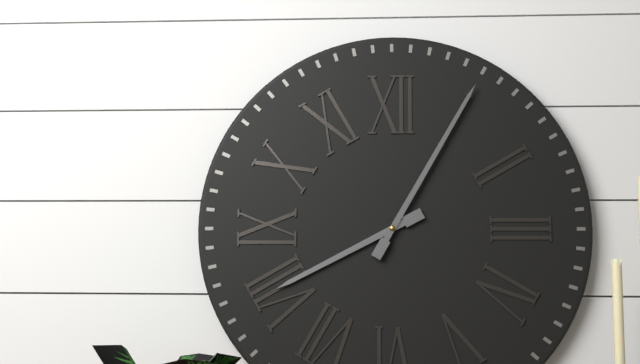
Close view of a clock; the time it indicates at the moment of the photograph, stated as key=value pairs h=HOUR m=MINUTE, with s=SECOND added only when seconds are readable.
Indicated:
h=8 m=5
